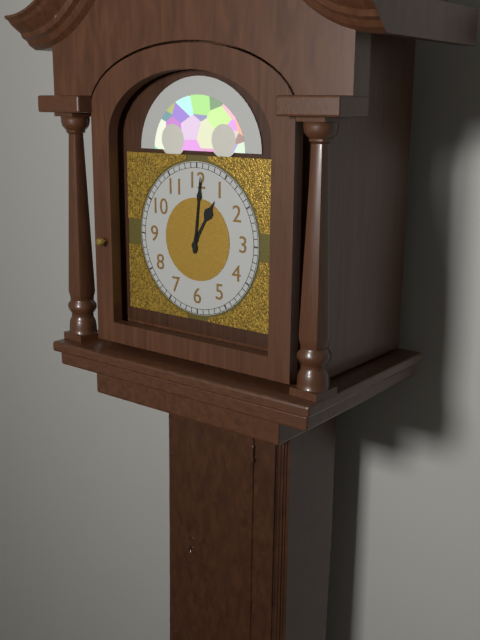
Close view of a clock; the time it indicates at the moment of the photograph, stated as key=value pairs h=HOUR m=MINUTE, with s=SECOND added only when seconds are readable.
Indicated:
h=1 m=1
